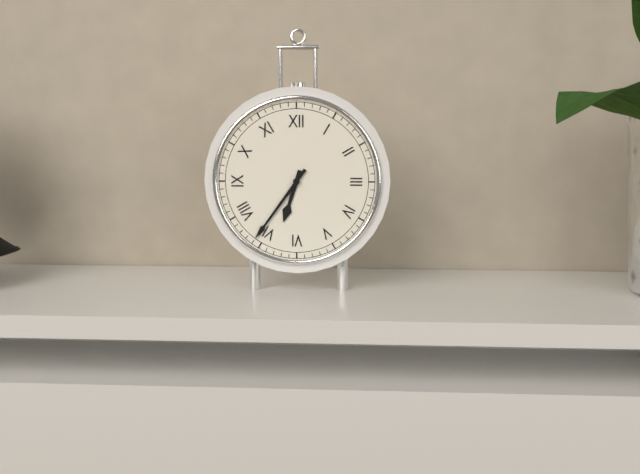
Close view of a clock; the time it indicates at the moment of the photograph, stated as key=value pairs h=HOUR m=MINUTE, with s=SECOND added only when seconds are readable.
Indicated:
h=6 m=36
